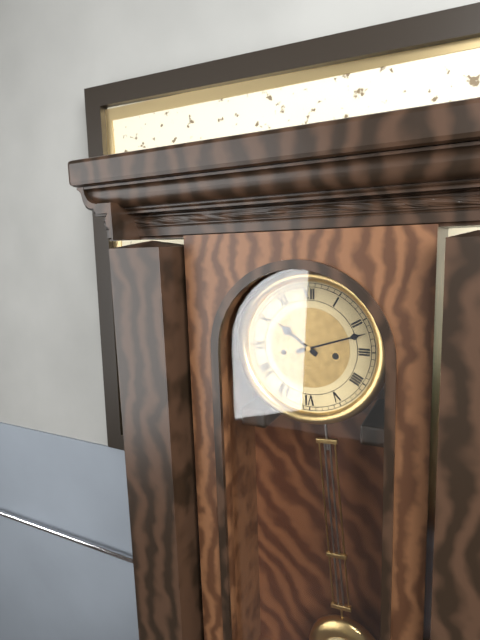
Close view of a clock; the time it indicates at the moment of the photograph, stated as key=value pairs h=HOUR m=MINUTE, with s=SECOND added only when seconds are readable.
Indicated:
h=10 m=12
